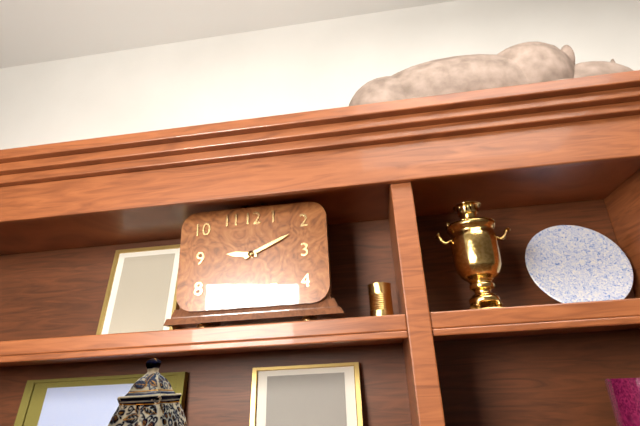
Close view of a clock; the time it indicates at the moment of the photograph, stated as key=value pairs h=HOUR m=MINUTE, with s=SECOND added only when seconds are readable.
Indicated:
h=9 m=11
